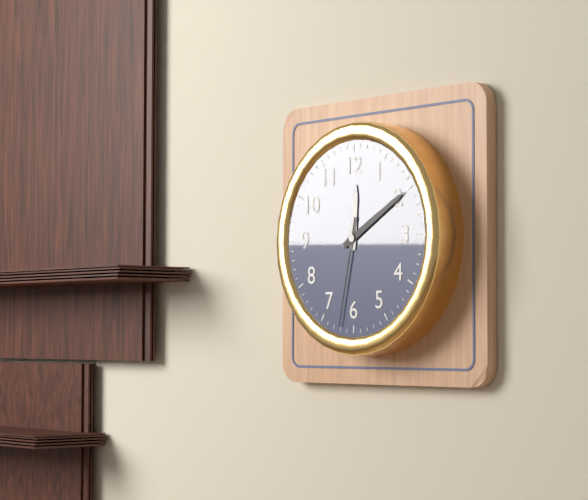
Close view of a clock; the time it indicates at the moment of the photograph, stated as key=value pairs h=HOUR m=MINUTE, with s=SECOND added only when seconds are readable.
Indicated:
h=12 m=10 s=32
